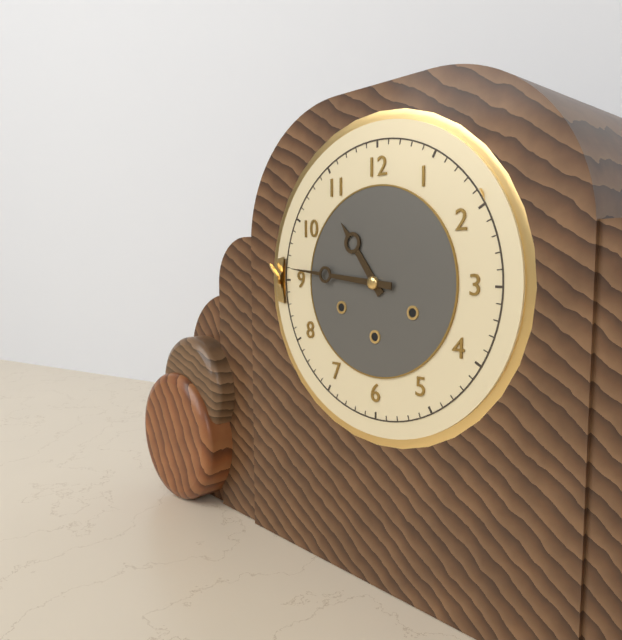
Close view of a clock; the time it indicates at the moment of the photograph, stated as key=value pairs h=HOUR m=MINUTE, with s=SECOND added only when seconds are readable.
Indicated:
h=10 m=46
